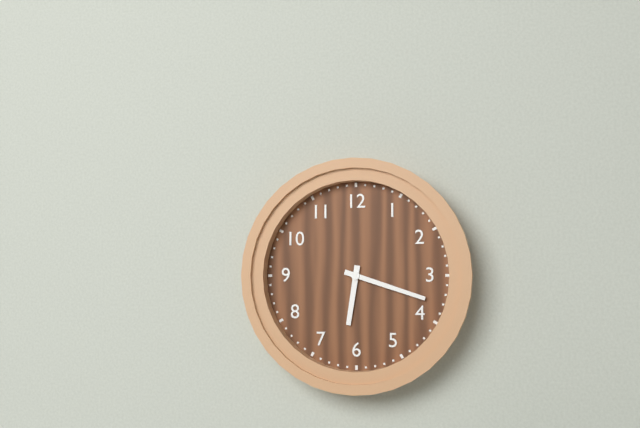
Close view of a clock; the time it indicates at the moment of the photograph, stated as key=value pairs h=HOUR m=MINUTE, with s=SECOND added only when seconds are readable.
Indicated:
h=6 m=18
